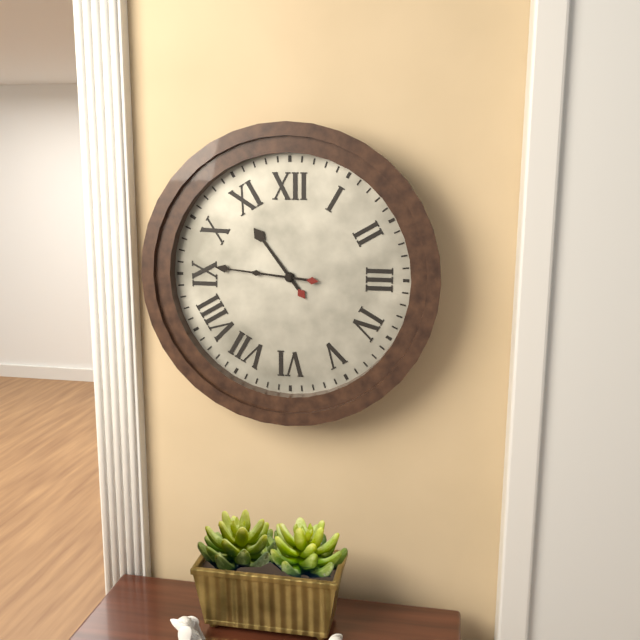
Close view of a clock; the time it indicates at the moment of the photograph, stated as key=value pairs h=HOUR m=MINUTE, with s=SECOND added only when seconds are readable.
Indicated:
h=10 m=46
